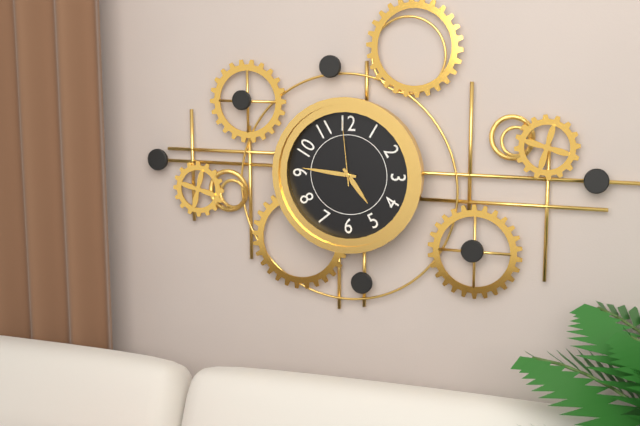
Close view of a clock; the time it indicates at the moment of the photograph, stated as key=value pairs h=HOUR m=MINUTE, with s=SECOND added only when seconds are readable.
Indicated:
h=4 m=46 s=59
